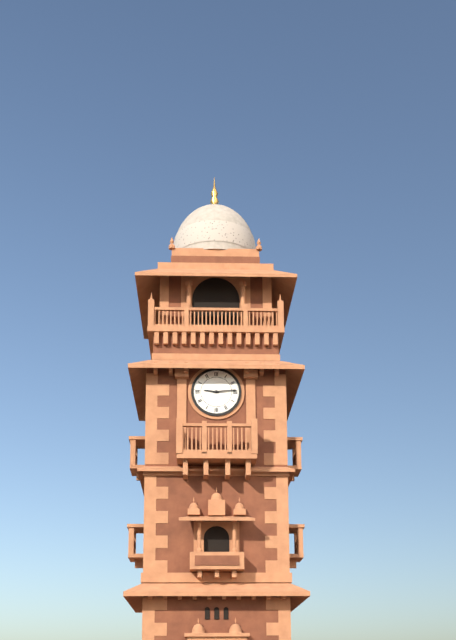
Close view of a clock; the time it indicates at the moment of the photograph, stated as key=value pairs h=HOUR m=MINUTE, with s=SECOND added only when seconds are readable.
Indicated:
h=9 m=14
